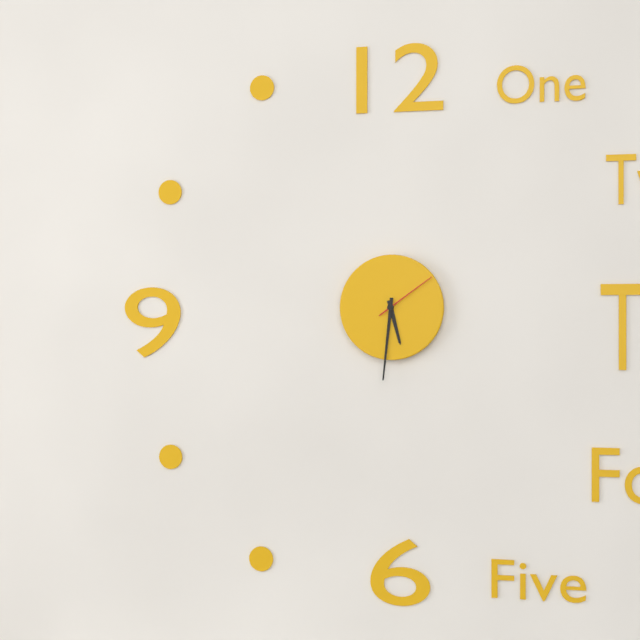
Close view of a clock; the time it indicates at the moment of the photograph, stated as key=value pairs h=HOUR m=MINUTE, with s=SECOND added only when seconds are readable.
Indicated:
h=5 m=31 s=9
